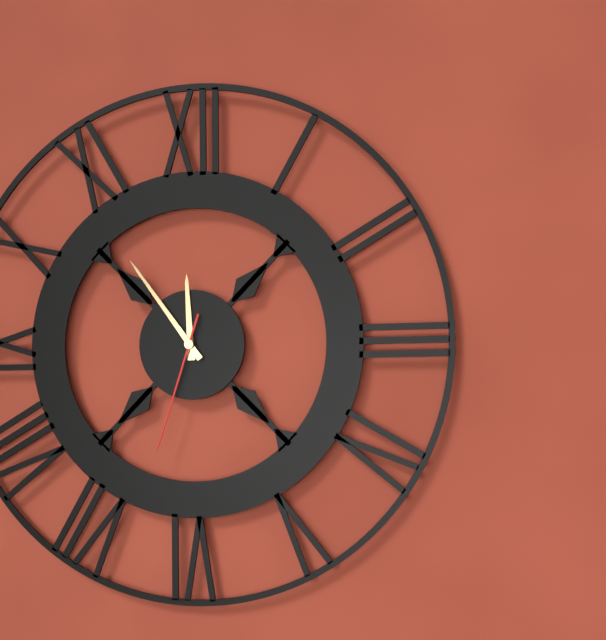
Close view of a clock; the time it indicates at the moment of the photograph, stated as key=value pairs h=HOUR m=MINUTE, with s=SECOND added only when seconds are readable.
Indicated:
h=11 m=54 s=33
